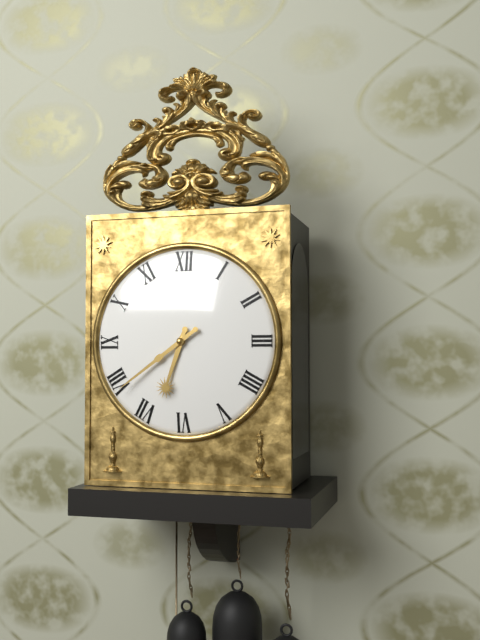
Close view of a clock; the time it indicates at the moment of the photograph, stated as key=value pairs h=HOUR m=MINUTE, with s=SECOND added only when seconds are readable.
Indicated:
h=6 m=39
